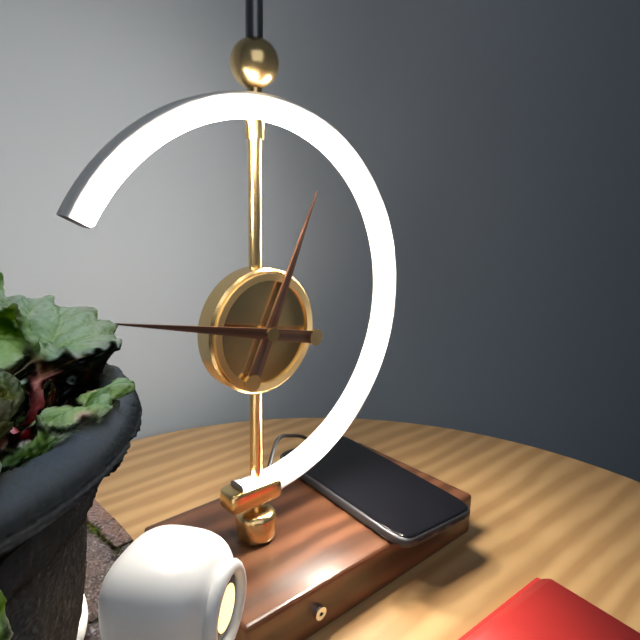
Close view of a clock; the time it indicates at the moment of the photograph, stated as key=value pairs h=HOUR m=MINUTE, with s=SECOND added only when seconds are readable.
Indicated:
h=12 m=47
